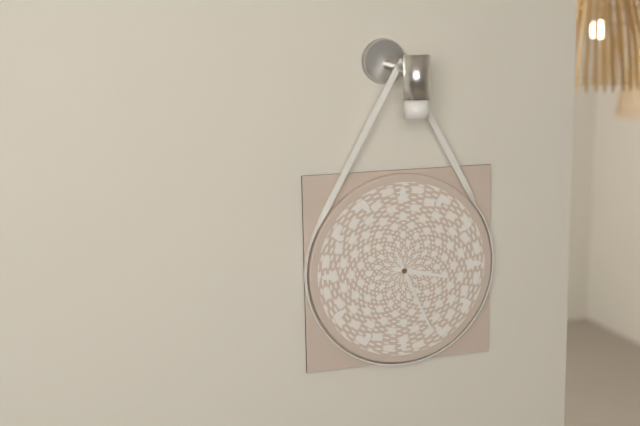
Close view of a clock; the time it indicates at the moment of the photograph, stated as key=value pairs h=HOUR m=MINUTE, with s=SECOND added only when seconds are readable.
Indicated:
h=3 m=26
